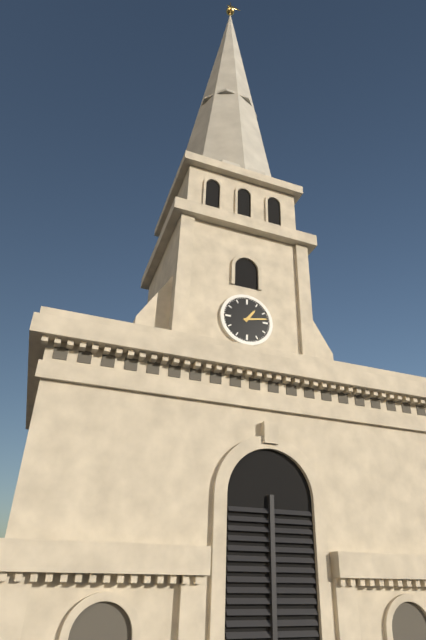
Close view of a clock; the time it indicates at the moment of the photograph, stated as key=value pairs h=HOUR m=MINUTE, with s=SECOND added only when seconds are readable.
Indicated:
h=1 m=13
